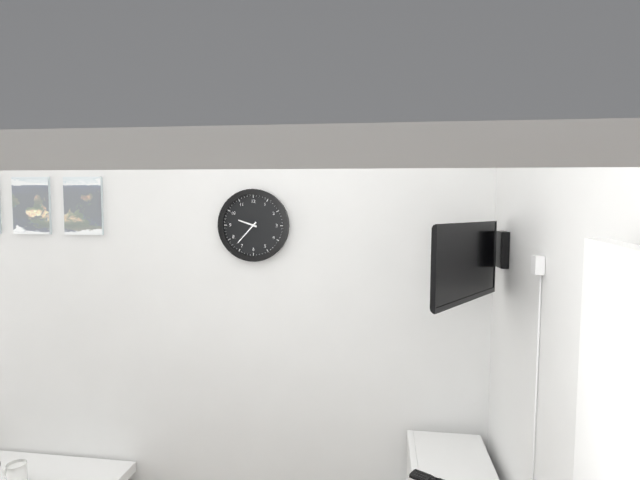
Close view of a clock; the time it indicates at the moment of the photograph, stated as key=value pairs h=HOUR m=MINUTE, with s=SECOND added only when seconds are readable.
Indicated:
h=9 m=37
